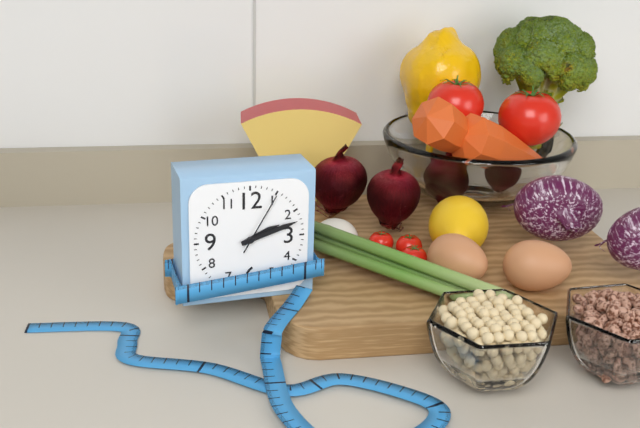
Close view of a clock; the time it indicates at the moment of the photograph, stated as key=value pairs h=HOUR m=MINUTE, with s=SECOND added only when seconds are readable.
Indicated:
h=2 m=12 s=5
